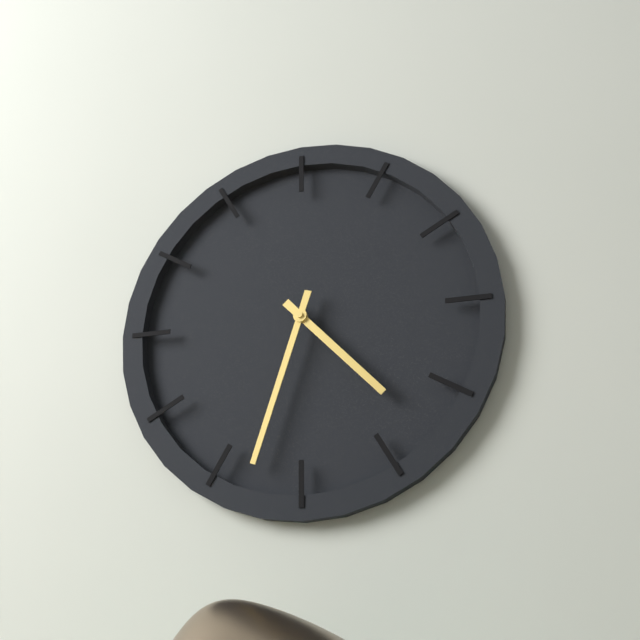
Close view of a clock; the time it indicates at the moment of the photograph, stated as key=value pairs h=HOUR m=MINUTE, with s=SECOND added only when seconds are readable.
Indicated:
h=4 m=33
